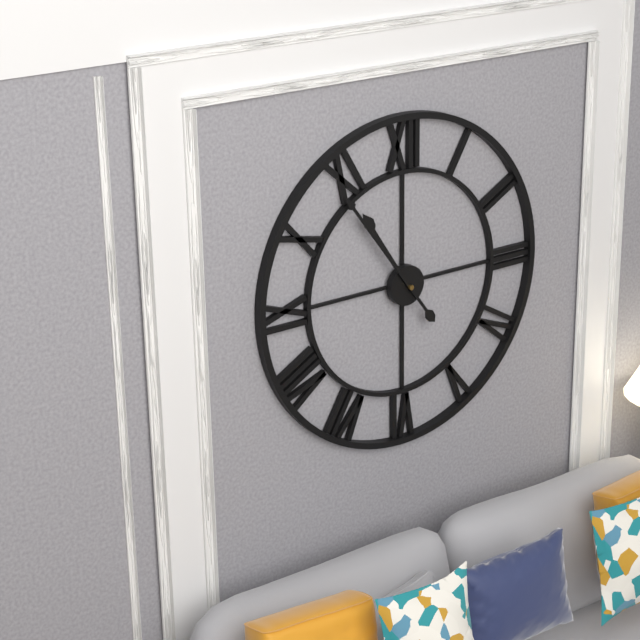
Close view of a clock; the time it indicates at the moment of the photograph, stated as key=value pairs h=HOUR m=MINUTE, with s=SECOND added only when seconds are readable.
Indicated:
h=10 m=54
